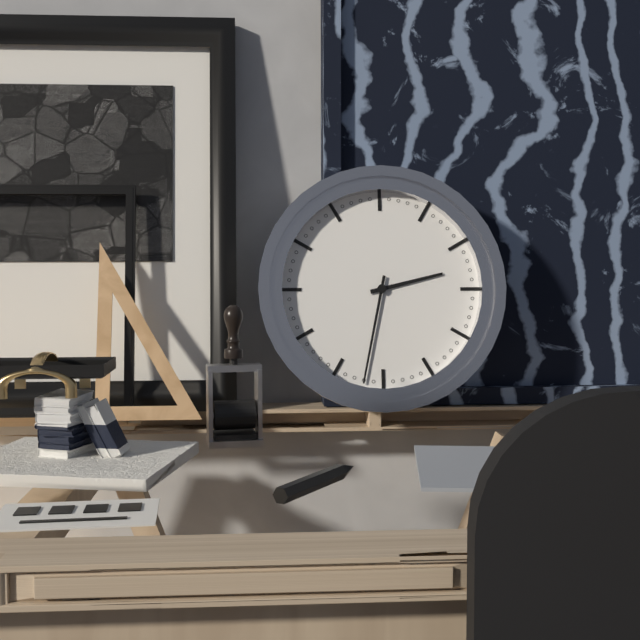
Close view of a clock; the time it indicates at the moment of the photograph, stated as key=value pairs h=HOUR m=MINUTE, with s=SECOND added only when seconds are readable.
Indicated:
h=2 m=32
